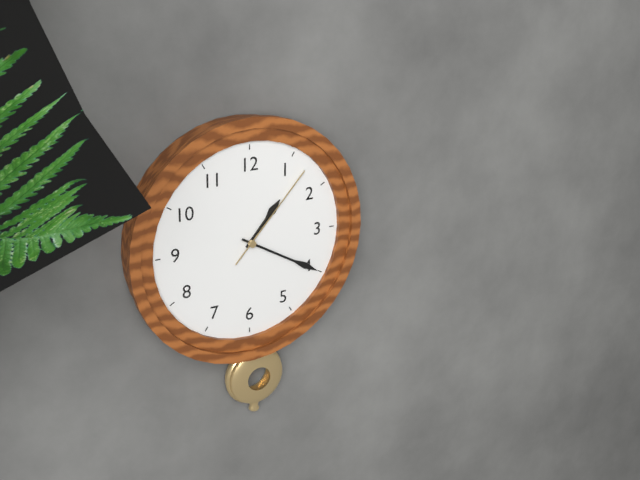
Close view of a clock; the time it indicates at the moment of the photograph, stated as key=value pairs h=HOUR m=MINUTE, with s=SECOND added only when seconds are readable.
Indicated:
h=1 m=20 s=7
